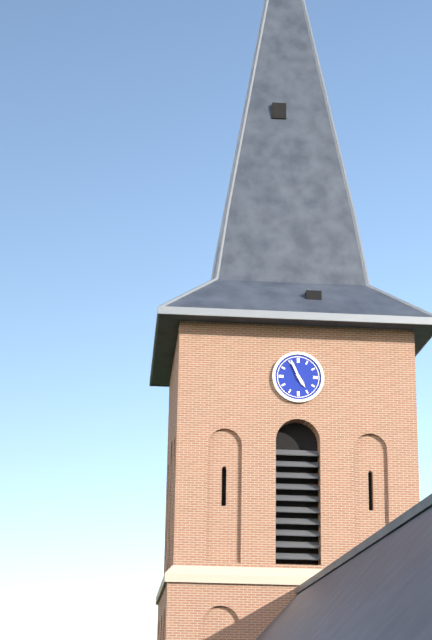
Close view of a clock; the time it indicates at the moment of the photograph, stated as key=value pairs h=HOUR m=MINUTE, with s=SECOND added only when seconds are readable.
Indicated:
h=4 m=56
